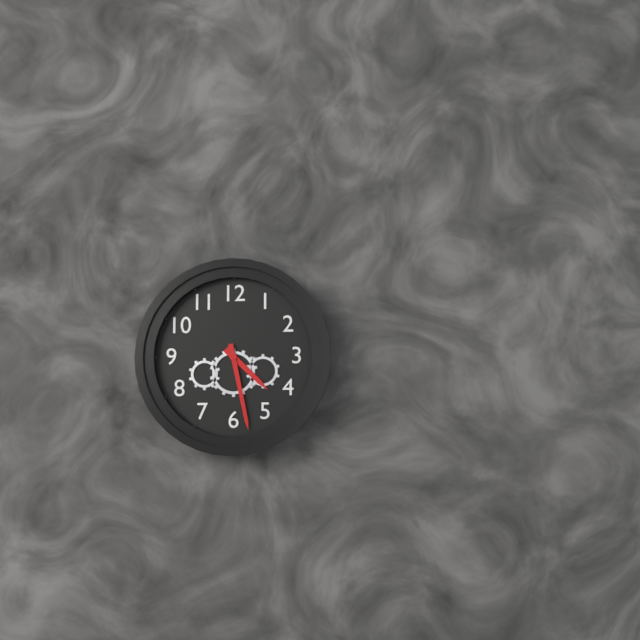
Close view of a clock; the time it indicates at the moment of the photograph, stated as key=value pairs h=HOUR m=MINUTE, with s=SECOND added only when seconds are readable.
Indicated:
h=4 m=28
